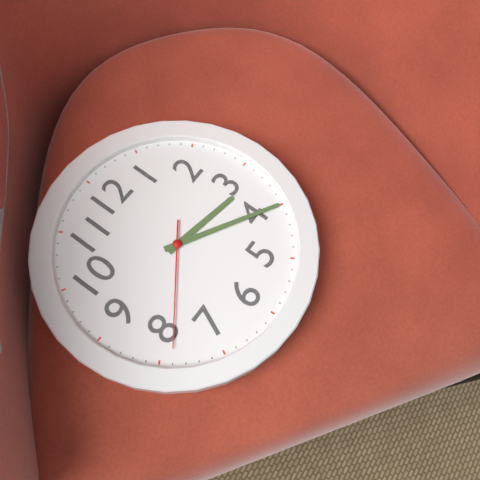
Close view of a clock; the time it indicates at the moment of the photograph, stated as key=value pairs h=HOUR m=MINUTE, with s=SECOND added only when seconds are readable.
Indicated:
h=3 m=20 s=39
